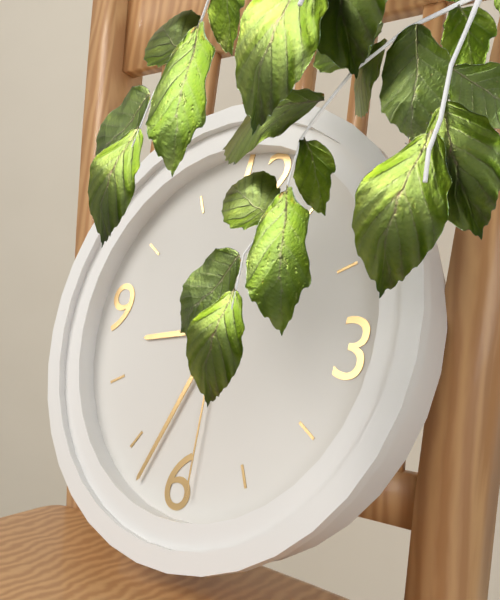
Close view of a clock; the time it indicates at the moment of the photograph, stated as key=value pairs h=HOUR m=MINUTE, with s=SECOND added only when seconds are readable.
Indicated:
h=8 m=33 s=29
